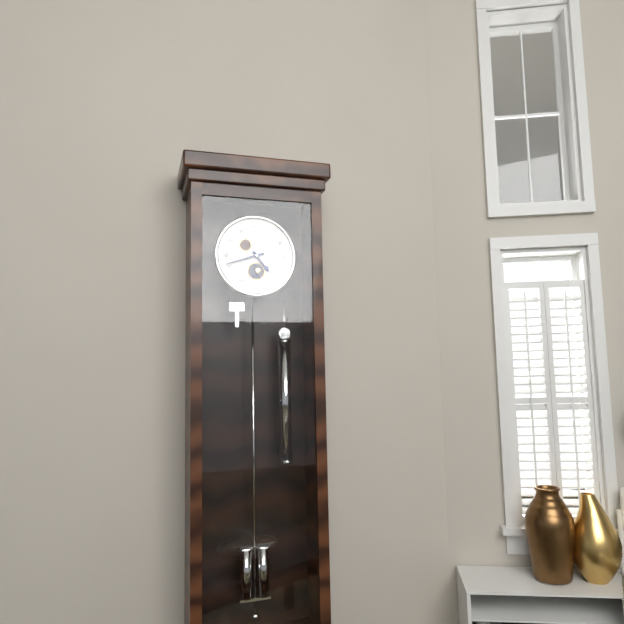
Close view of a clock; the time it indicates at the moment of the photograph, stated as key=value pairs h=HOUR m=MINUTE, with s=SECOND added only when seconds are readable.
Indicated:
h=4 m=42
